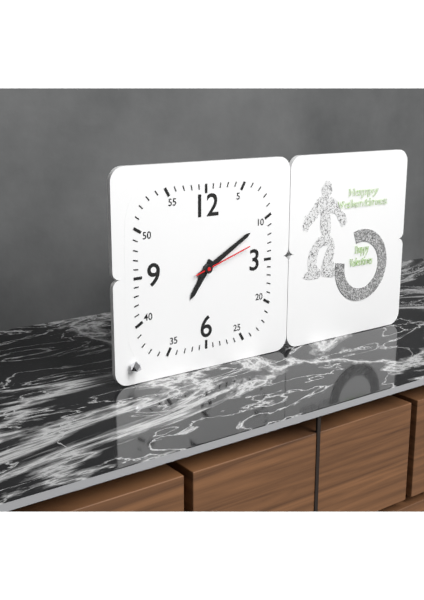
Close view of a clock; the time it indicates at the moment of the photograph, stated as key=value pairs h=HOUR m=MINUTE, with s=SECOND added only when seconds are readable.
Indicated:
h=7 m=10 s=12
